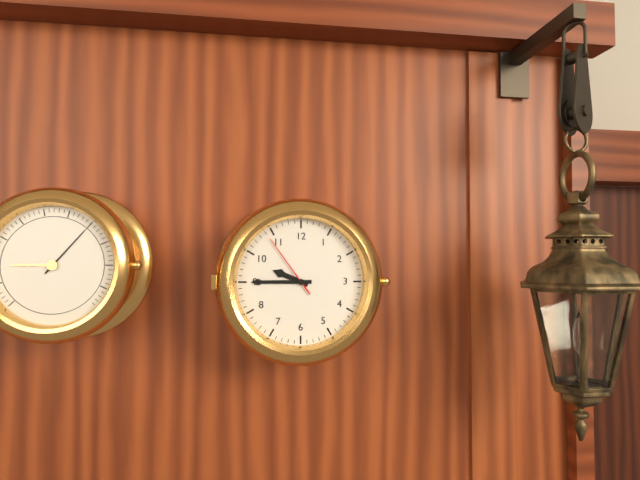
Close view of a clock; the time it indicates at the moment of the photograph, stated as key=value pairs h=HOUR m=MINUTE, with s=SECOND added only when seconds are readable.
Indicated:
h=9 m=45 s=54
